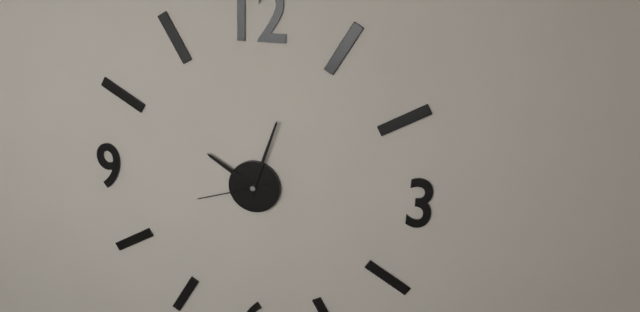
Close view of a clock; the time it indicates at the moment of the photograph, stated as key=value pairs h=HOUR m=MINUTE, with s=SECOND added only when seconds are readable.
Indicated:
h=10 m=3 s=42
